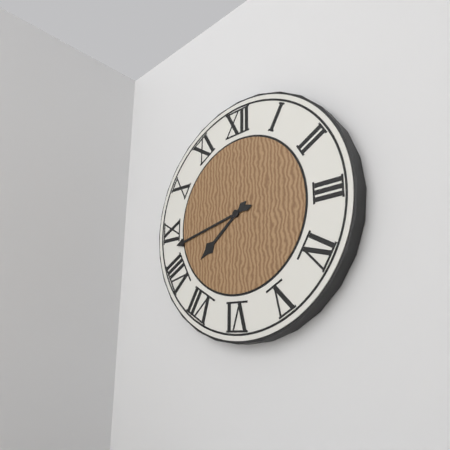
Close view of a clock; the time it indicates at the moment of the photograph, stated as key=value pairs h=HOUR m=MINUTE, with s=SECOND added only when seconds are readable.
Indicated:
h=7 m=43
